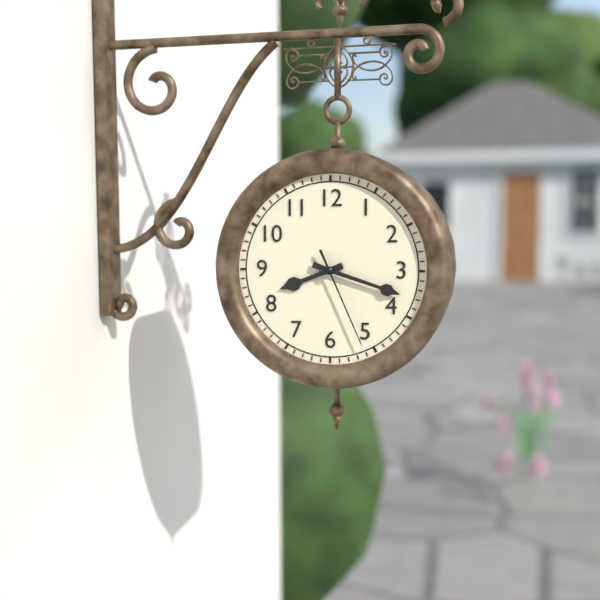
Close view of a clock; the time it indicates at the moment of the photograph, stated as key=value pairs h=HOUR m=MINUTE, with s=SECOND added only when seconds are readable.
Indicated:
h=8 m=18 s=26
